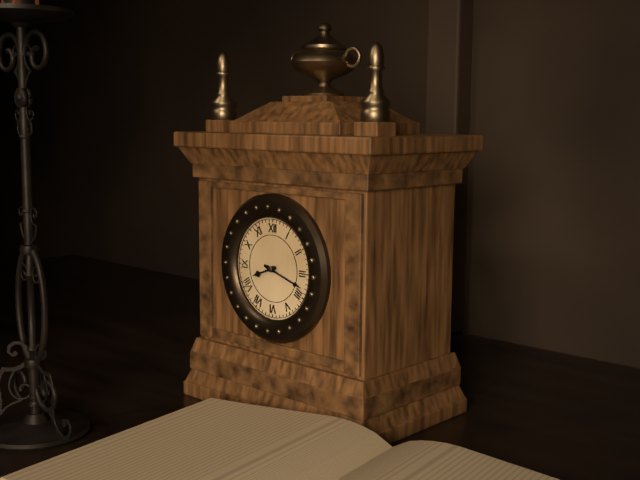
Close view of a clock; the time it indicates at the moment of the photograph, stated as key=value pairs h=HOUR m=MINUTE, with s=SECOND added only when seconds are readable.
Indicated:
h=8 m=18
